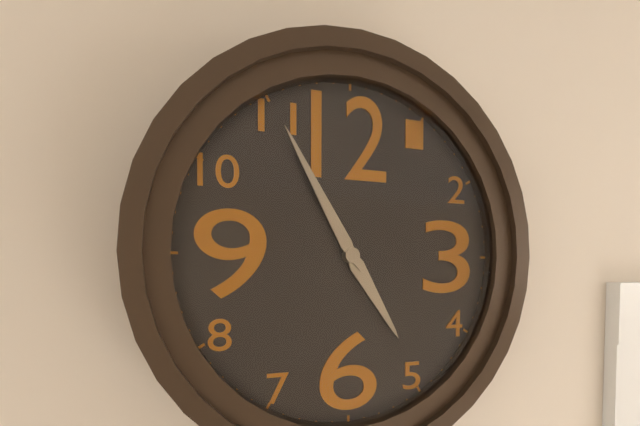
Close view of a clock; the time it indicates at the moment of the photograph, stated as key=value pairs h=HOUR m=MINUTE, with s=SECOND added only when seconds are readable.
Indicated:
h=4 m=55
